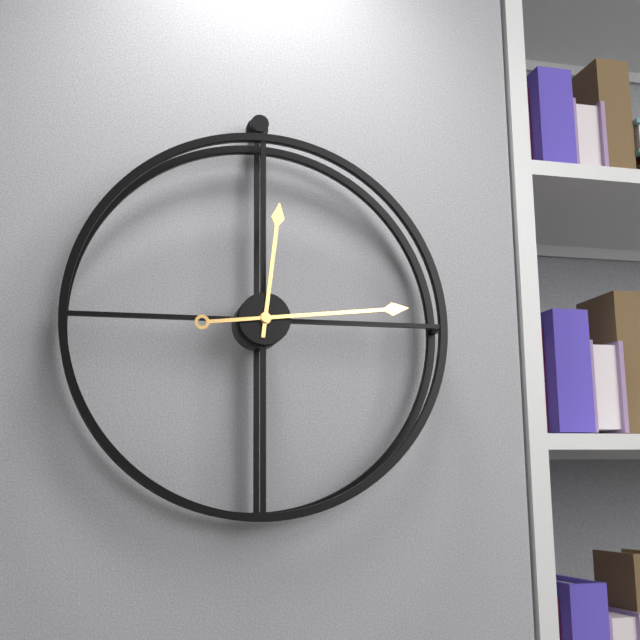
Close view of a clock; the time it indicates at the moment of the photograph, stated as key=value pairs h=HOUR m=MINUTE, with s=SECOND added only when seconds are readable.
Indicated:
h=12 m=14
